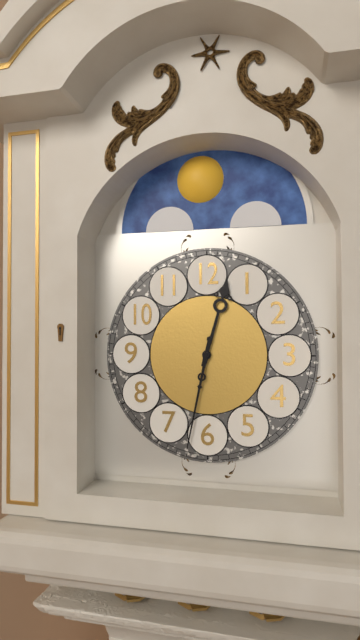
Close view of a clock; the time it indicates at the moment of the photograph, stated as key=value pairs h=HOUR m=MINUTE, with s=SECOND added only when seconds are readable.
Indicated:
h=12 m=32
